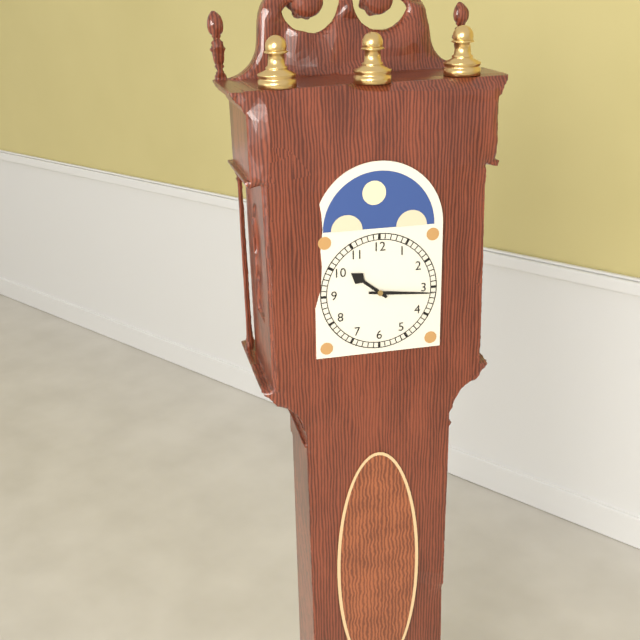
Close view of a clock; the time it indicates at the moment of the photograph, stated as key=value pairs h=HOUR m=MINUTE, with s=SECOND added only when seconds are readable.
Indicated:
h=10 m=16
